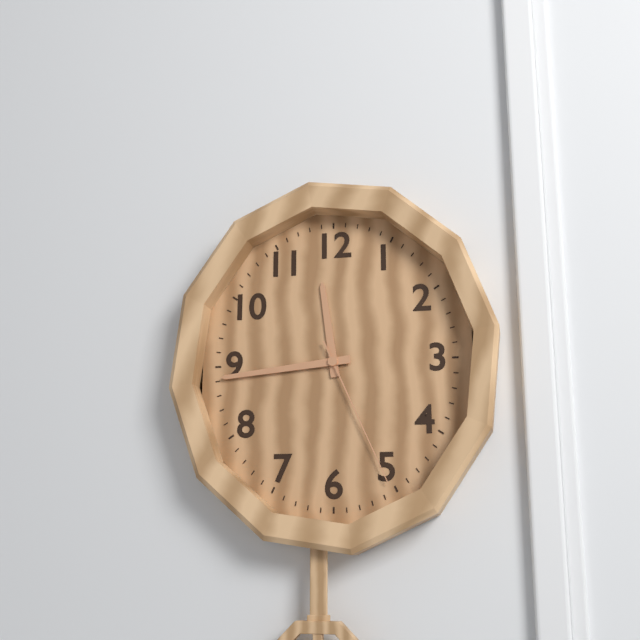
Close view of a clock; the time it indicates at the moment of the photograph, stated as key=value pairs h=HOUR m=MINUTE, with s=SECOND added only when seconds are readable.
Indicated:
h=11 m=44 s=26
